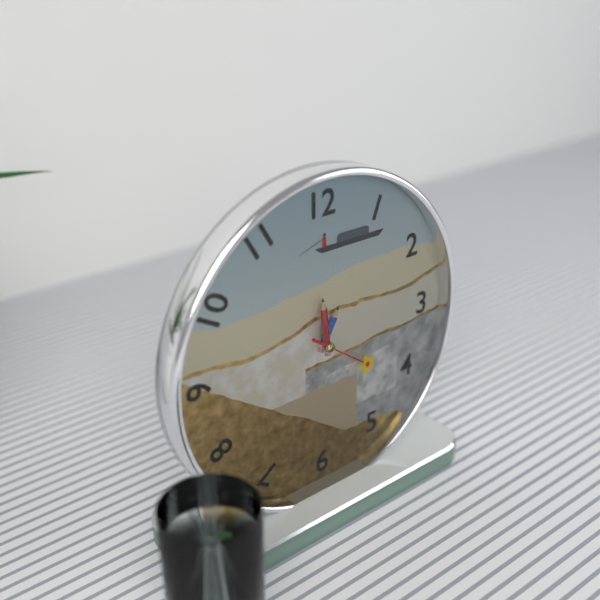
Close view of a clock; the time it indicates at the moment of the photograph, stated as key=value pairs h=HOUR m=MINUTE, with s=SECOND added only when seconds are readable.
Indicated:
h=12 m=59 s=21
